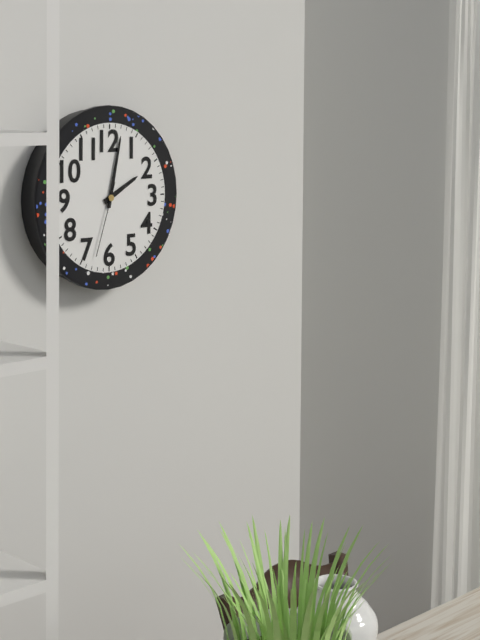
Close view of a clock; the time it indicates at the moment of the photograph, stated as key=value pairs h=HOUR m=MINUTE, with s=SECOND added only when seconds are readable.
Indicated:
h=2 m=2 s=33
